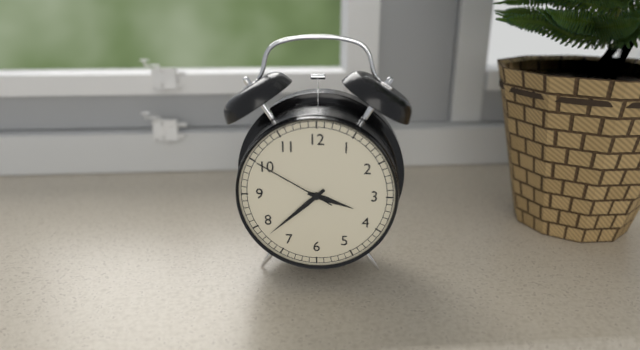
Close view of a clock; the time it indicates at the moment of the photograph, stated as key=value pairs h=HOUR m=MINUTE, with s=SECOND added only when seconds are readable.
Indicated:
h=3 m=38 s=50
